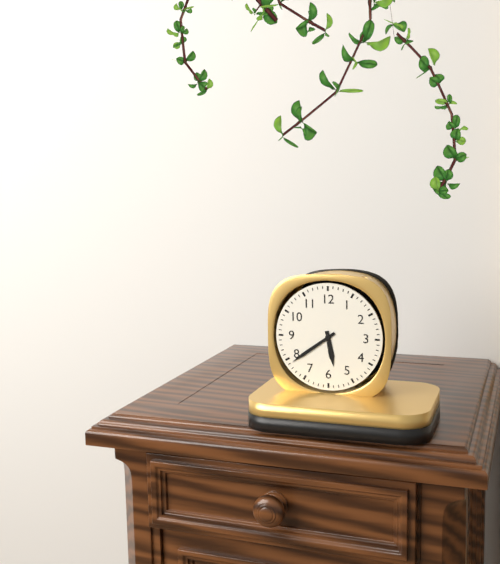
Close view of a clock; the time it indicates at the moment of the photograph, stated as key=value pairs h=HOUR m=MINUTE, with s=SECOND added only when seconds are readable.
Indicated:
h=5 m=39
